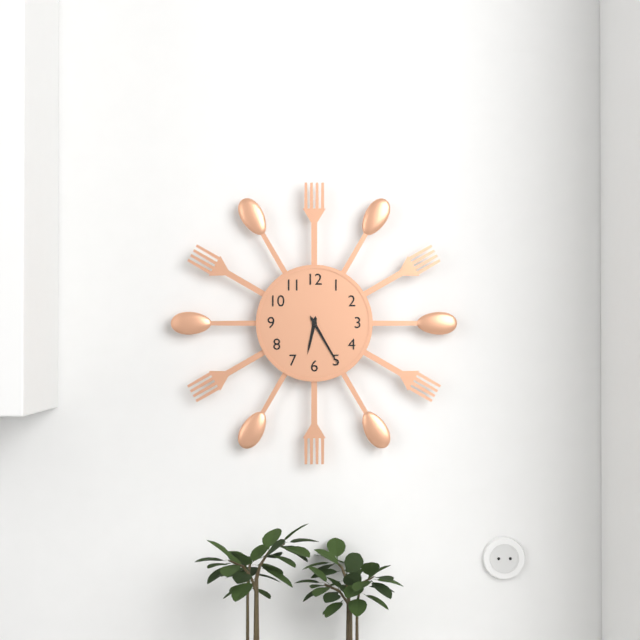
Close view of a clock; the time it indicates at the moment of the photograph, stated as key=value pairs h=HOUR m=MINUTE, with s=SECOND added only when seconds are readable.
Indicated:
h=6 m=25
